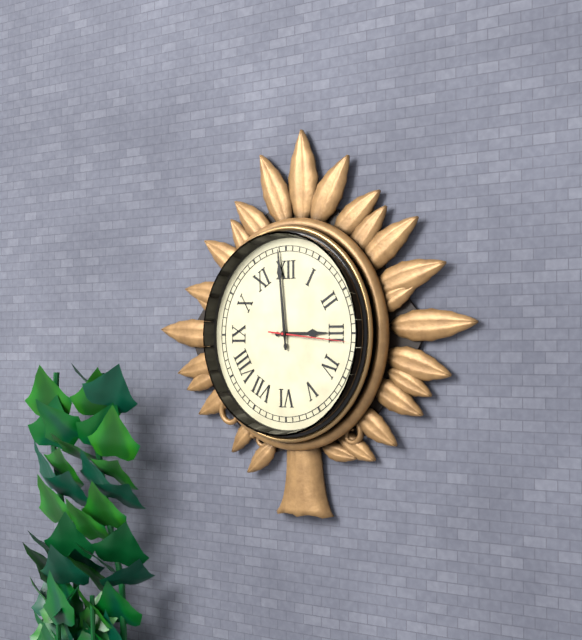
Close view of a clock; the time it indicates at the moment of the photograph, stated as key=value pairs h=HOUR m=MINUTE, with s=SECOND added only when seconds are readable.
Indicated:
h=2 m=59 s=16
